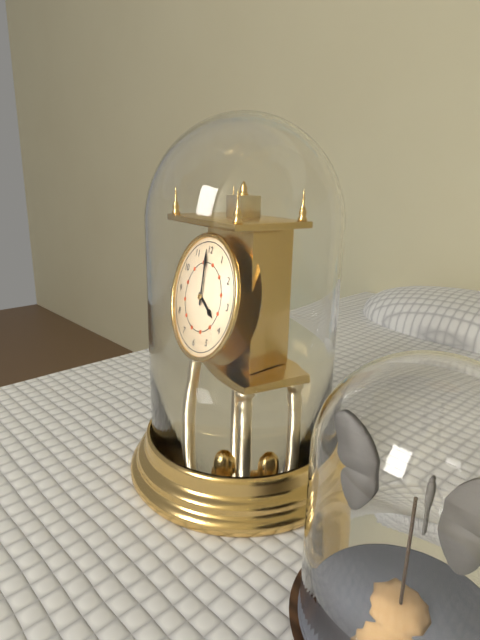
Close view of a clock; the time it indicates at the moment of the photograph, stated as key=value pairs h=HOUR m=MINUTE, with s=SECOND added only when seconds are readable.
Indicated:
h=3 m=59
